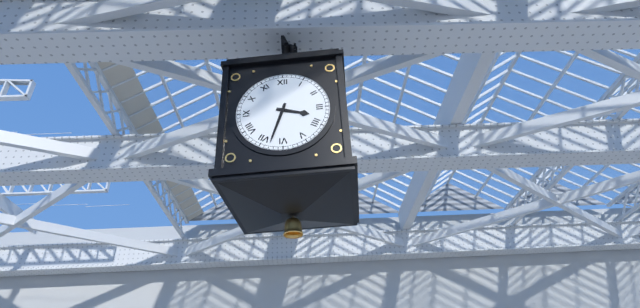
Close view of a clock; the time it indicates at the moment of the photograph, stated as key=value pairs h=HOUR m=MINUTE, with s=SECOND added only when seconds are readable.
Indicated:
h=3 m=33
